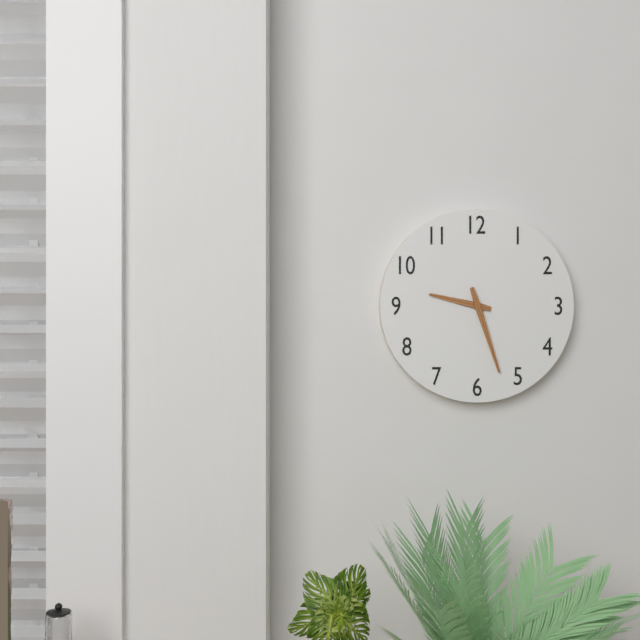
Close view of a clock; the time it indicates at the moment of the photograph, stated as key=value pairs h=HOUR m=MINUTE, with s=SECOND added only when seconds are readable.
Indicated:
h=9 m=27
